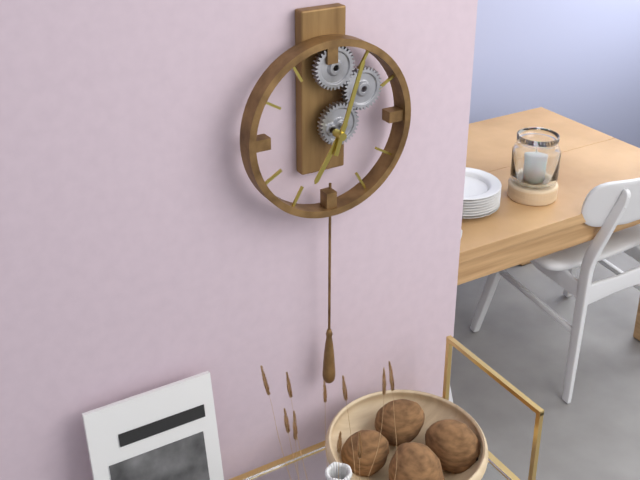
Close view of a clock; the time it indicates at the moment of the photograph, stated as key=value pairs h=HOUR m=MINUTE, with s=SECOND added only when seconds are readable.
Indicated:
h=7 m=3
